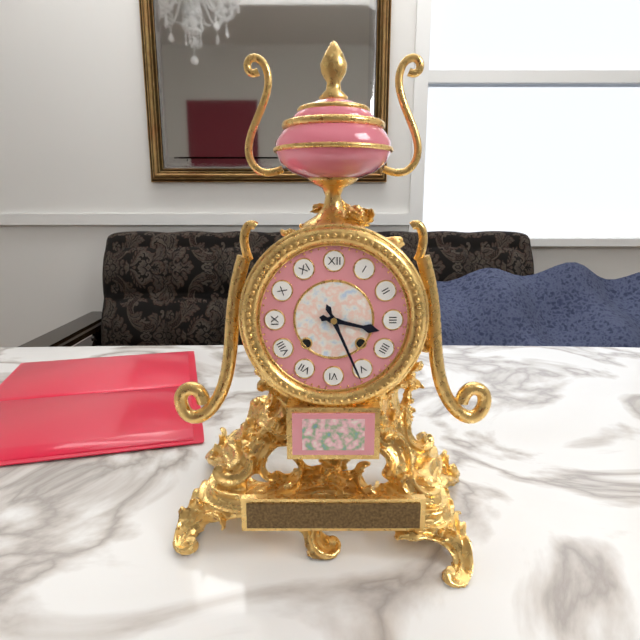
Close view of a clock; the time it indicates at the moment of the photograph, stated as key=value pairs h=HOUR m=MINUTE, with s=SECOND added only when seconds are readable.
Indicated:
h=3 m=26
